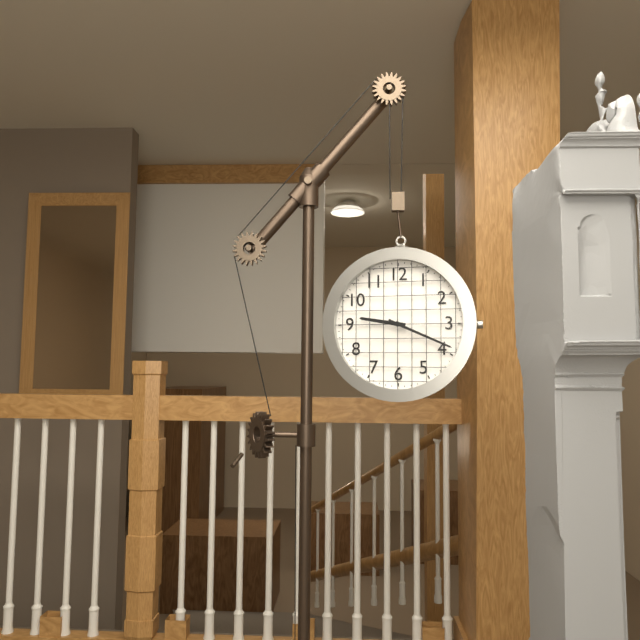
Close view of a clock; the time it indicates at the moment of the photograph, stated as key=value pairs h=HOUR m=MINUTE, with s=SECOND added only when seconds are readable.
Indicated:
h=9 m=19
